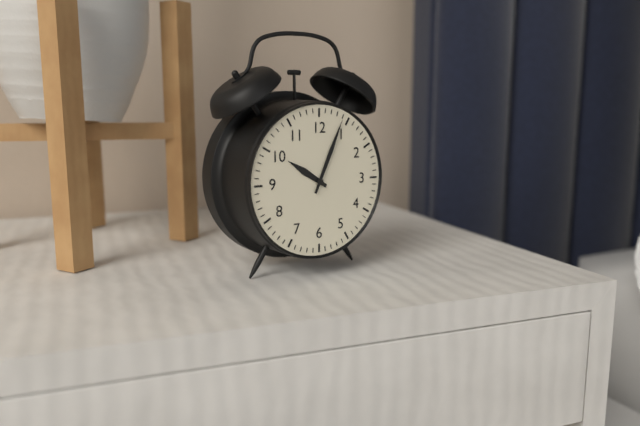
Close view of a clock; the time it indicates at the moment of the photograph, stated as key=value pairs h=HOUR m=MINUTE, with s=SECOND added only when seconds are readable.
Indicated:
h=10 m=4
